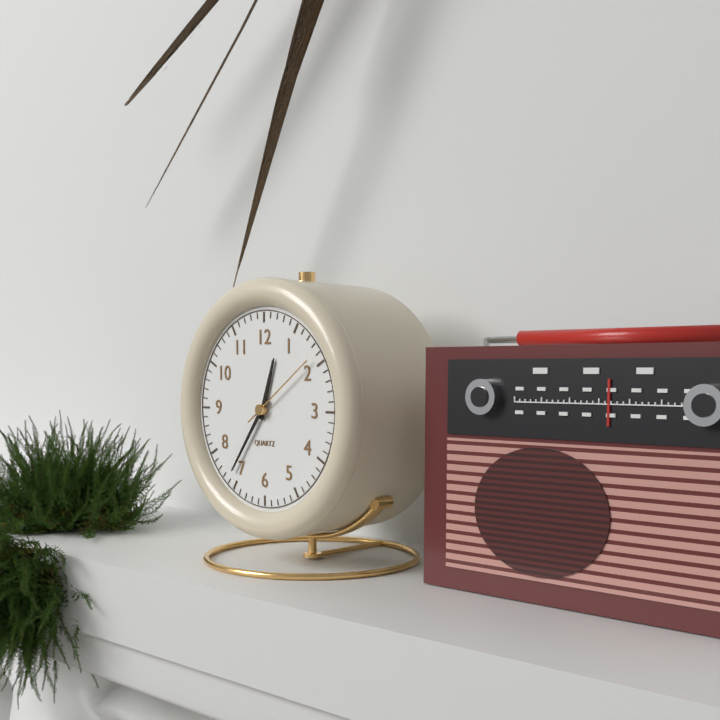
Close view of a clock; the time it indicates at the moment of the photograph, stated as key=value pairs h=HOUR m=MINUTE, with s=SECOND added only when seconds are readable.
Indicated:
h=12 m=36 s=9
